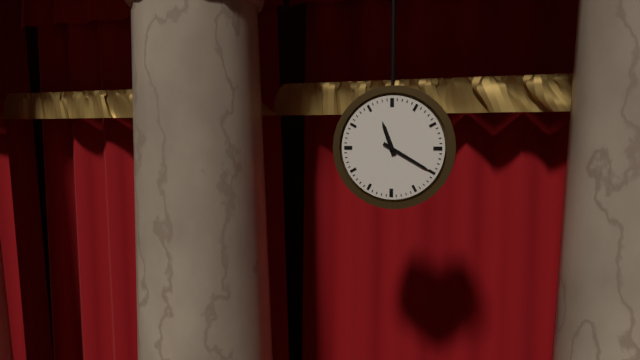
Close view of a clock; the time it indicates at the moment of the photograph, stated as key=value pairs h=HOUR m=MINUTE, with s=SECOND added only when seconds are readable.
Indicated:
h=11 m=20
